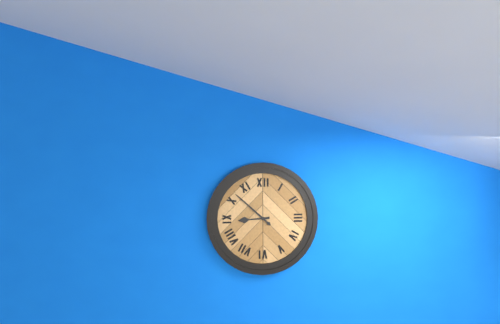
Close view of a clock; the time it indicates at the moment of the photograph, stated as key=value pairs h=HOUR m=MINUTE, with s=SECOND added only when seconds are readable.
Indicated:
h=8 m=52
